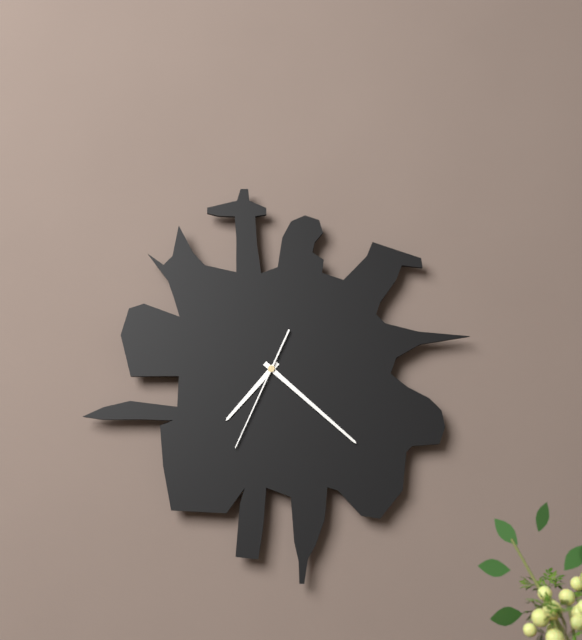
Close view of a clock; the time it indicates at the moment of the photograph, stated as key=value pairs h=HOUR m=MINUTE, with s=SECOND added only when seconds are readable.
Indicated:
h=7 m=22 s=34
